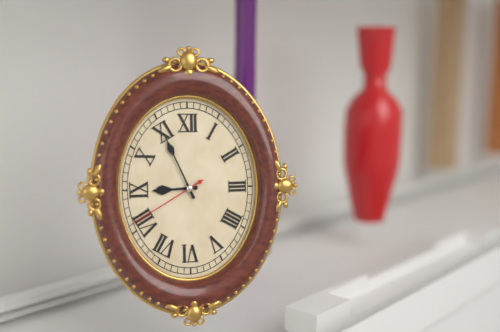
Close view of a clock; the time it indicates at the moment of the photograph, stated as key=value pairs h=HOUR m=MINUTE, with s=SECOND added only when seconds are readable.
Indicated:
h=8 m=56 s=40
